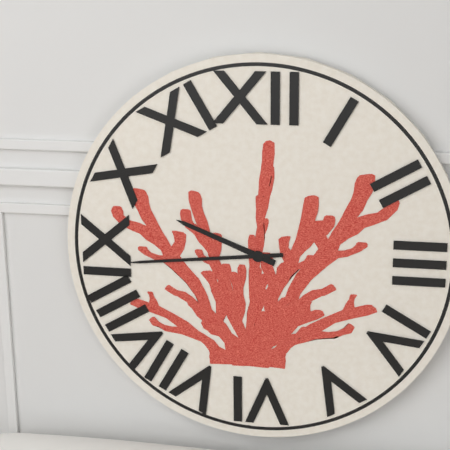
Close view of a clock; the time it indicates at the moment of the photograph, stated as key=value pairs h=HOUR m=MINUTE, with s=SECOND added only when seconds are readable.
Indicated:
h=9 m=44
